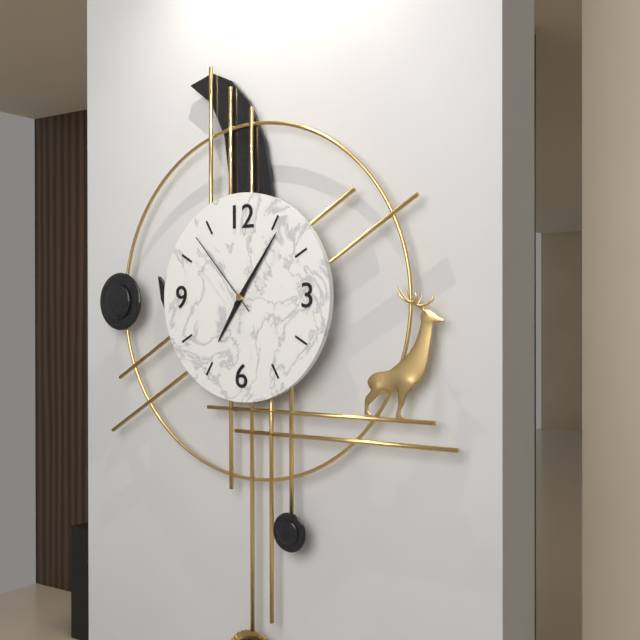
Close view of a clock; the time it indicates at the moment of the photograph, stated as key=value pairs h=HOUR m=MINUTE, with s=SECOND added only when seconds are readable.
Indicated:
h=7 m=6 s=53
